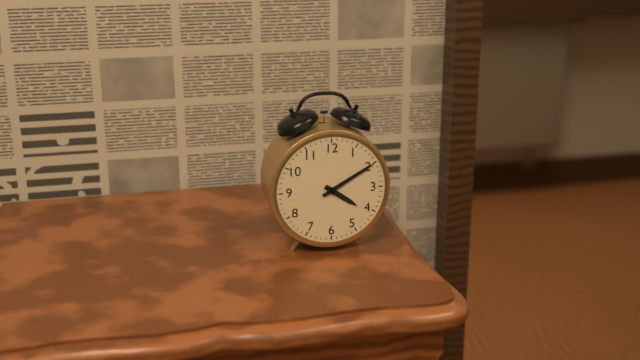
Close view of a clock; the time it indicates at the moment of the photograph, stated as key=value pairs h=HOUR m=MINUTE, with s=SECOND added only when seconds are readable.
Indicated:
h=4 m=10
